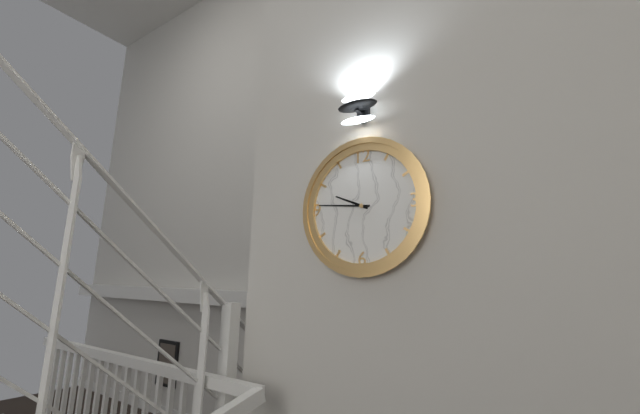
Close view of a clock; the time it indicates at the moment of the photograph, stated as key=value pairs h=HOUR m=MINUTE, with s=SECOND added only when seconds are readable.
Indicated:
h=9 m=46
